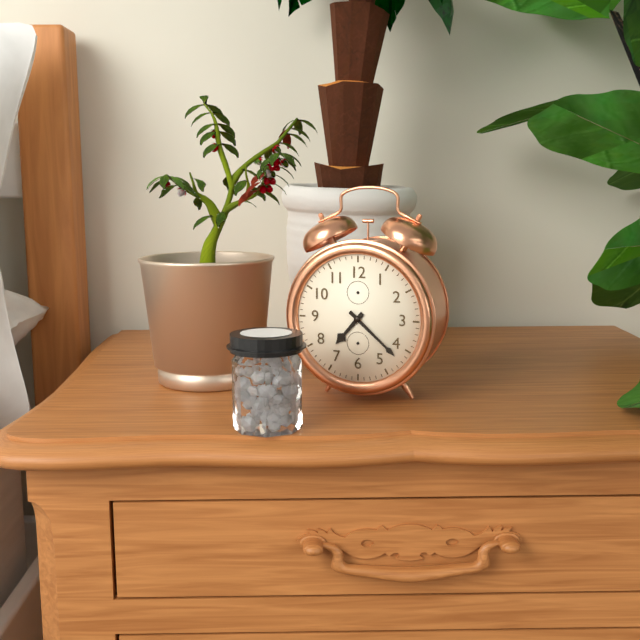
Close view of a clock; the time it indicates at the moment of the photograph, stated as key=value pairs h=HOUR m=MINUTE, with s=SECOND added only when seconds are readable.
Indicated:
h=7 m=22
